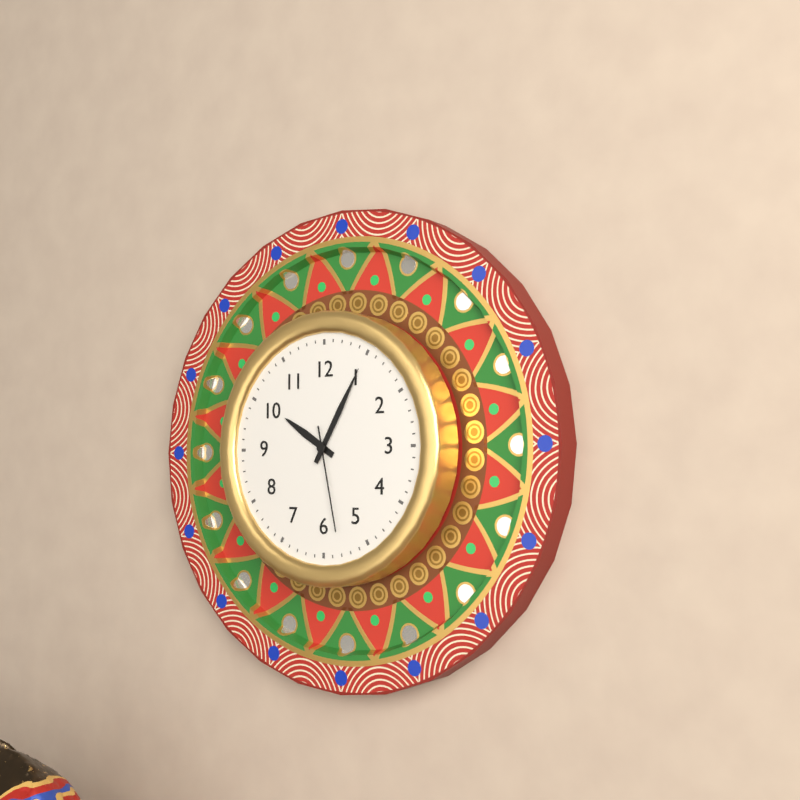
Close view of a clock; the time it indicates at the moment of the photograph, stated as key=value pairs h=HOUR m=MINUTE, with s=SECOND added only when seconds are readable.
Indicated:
h=10 m=5 s=28
